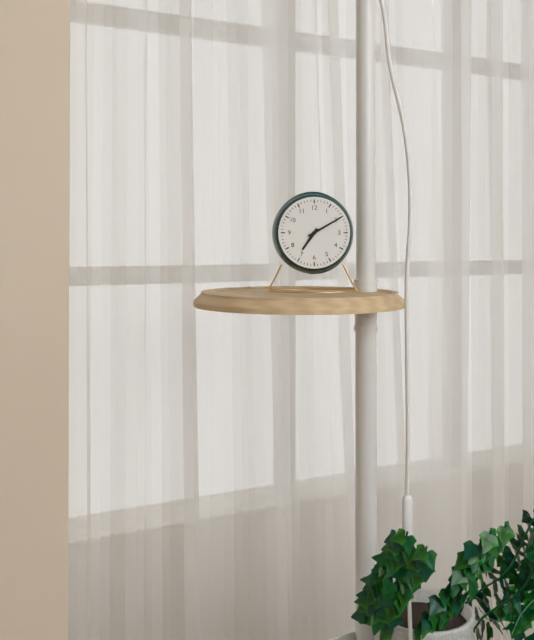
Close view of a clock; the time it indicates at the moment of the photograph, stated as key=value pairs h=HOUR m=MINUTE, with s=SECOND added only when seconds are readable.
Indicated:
h=7 m=10
